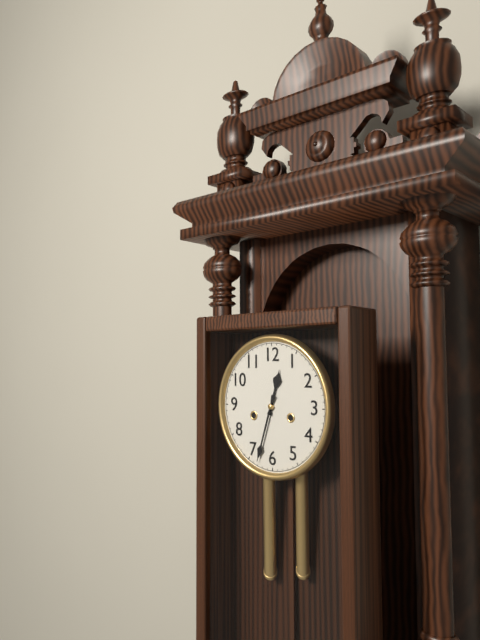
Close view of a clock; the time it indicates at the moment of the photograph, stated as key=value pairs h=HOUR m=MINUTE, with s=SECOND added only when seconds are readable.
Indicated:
h=12 m=33
